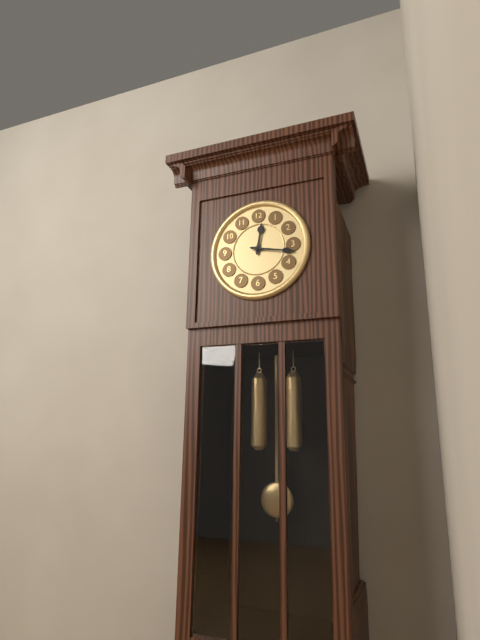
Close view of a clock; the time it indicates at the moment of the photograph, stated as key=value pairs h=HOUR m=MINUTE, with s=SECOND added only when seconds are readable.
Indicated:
h=12 m=17
